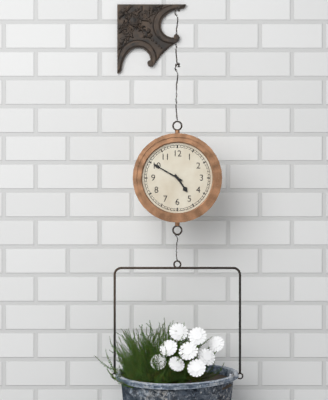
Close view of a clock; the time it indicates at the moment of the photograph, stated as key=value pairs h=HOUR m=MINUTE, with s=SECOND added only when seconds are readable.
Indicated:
h=4 m=50
